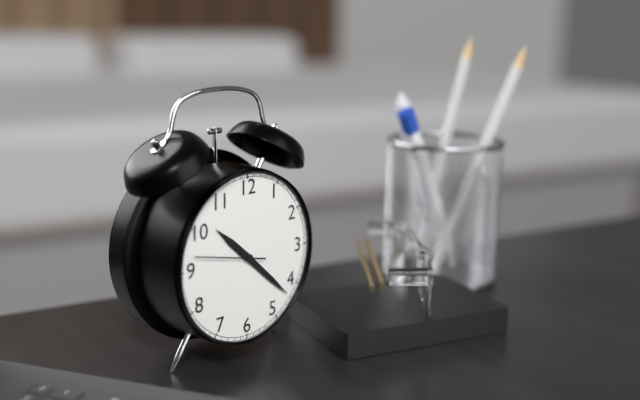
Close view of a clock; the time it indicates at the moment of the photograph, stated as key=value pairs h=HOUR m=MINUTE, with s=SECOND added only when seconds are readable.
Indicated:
h=10 m=22 s=47
